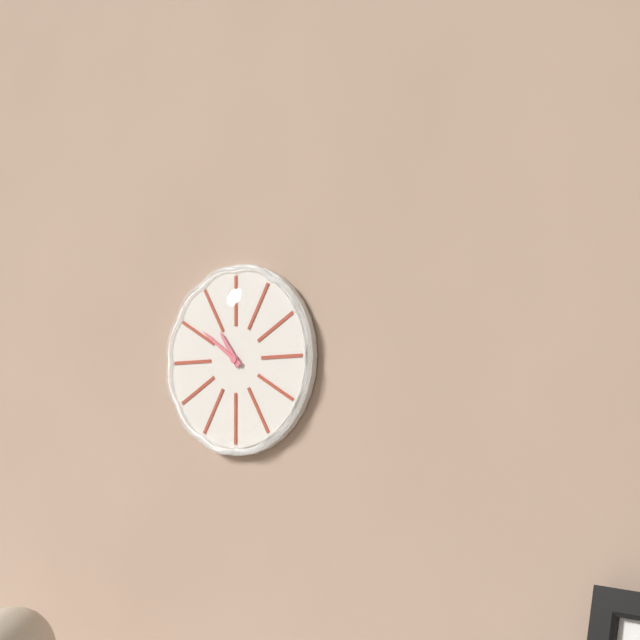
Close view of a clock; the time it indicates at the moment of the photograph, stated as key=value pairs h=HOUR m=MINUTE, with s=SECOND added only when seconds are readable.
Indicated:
h=10 m=51
